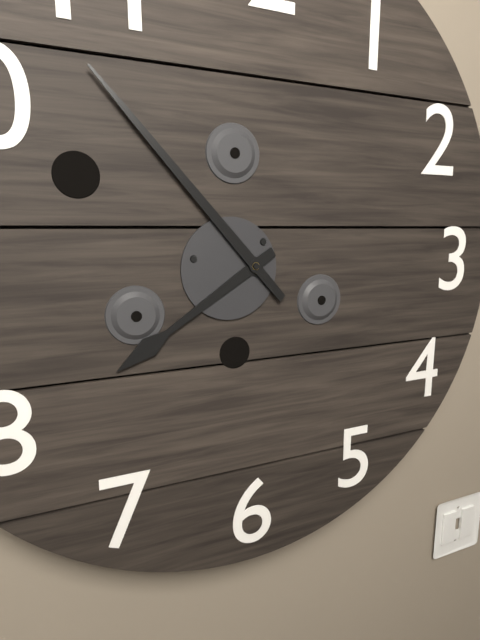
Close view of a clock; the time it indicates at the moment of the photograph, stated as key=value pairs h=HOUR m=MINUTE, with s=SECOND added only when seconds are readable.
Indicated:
h=7 m=53
